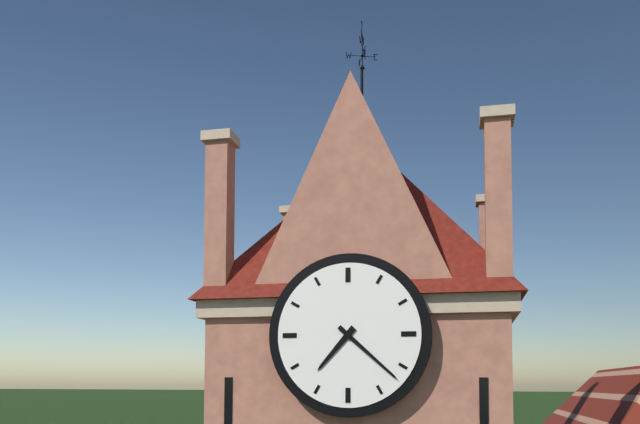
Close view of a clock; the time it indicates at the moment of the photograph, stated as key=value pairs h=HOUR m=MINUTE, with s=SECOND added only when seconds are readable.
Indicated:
h=7 m=22
